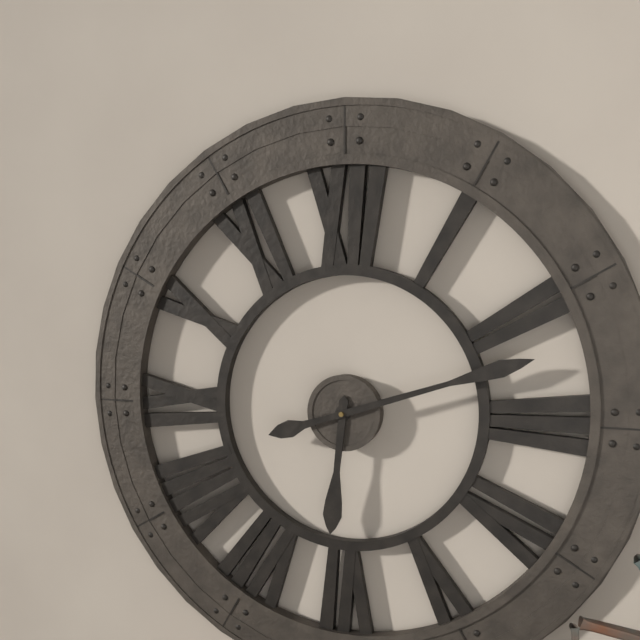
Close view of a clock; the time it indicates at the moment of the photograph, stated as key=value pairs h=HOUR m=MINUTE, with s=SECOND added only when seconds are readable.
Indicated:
h=6 m=12
